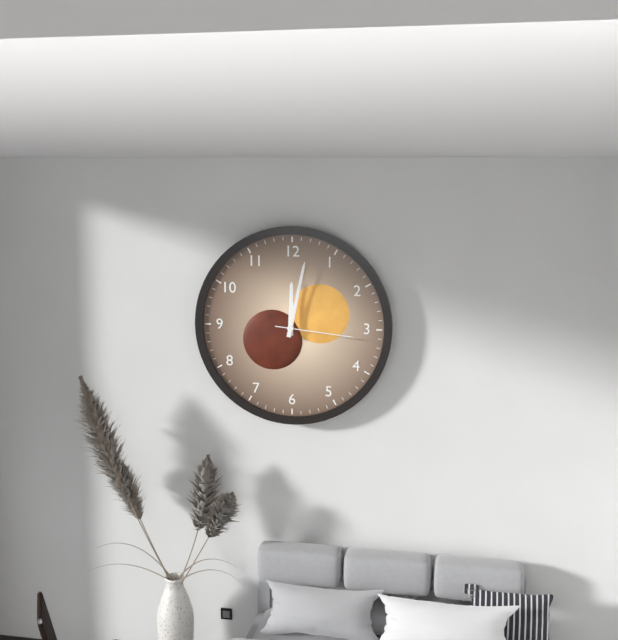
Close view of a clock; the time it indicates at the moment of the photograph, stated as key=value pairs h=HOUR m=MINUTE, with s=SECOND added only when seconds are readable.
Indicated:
h=12 m=2 s=16
